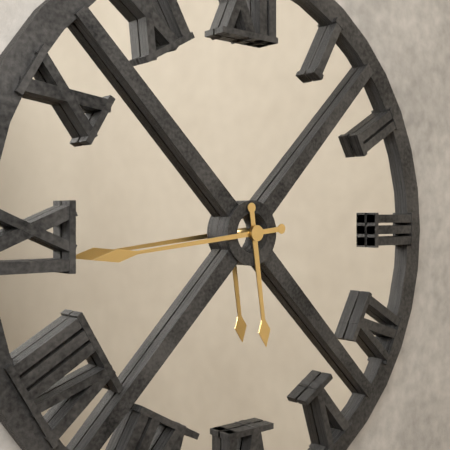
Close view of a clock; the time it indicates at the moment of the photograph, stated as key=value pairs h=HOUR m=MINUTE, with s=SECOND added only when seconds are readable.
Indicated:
h=5 m=44
